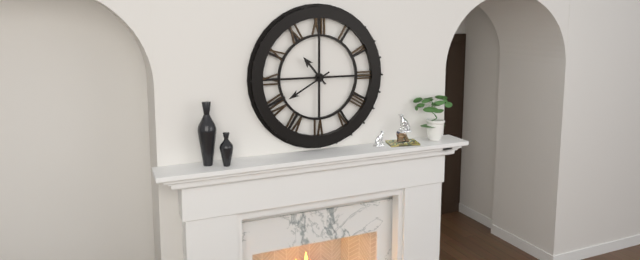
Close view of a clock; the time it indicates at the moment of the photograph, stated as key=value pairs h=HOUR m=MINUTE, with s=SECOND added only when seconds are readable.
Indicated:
h=10 m=40
